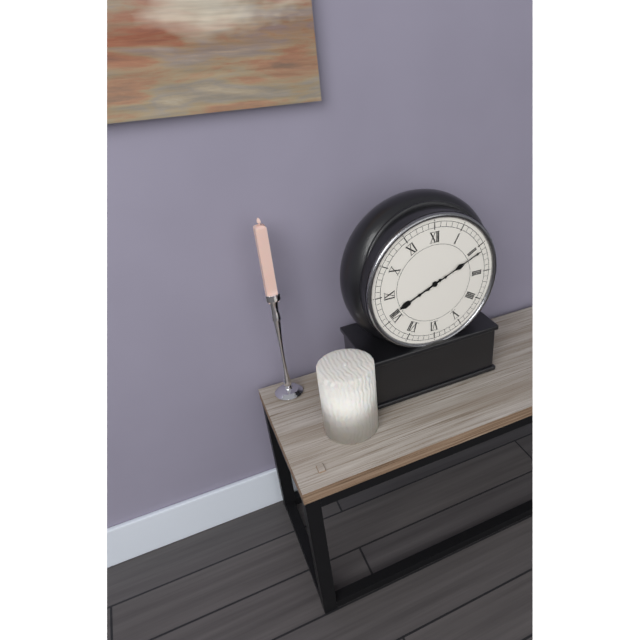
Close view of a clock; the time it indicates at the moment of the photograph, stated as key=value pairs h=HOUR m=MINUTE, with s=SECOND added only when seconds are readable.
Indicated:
h=8 m=11
